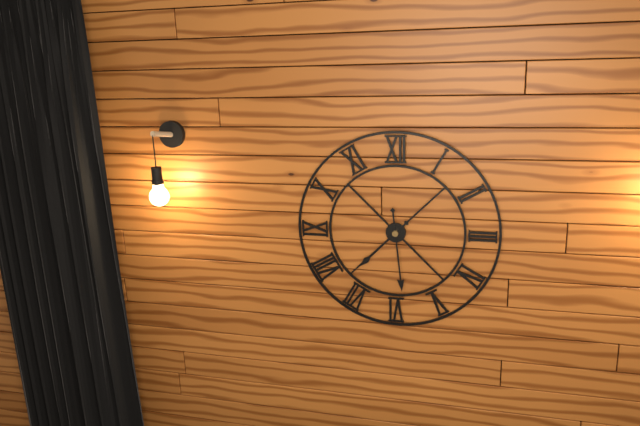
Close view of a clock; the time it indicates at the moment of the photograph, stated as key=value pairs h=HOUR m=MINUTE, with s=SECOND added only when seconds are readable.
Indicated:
h=7 m=29
